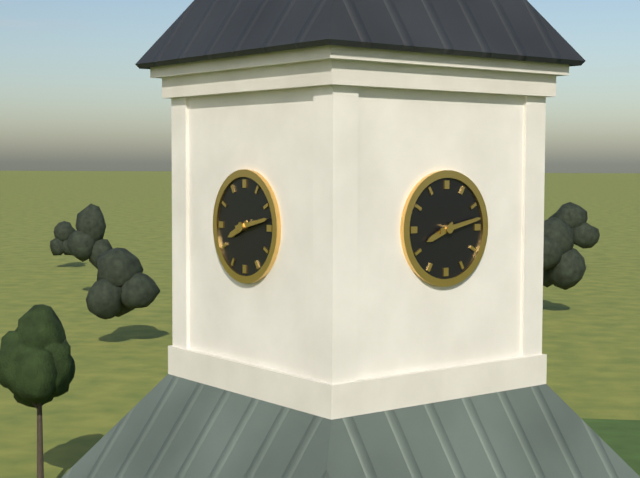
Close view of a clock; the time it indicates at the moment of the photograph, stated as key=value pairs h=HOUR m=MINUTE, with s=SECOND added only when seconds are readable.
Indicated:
h=8 m=13
